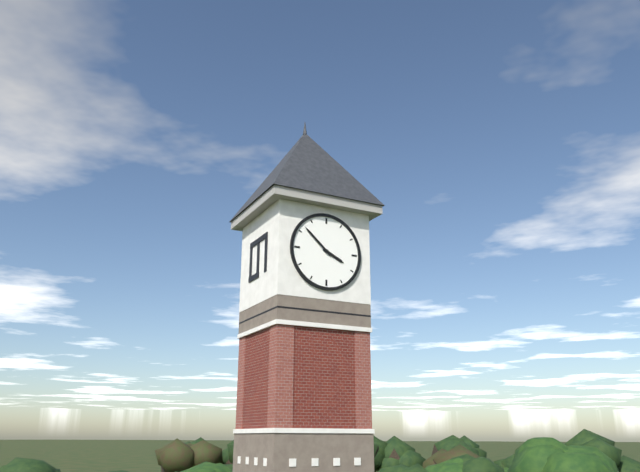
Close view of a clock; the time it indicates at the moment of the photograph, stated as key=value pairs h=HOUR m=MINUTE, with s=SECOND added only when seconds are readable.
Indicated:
h=3 m=52
